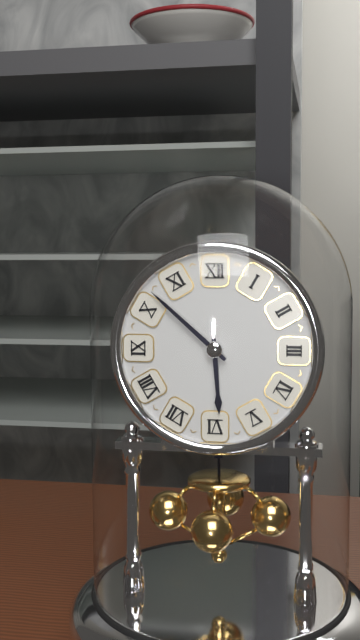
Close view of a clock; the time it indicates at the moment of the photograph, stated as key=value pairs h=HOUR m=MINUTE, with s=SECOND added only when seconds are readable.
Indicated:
h=5 m=52
